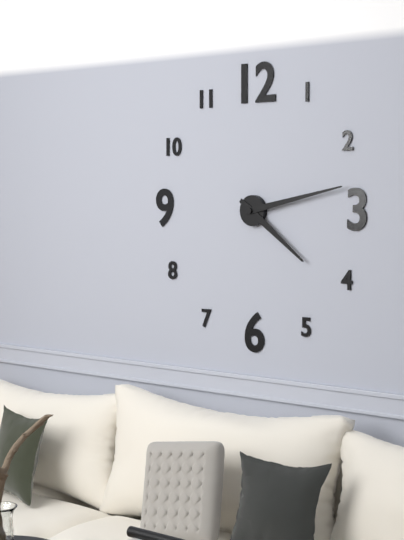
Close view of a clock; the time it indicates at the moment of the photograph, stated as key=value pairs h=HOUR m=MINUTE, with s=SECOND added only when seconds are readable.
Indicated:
h=4 m=13
